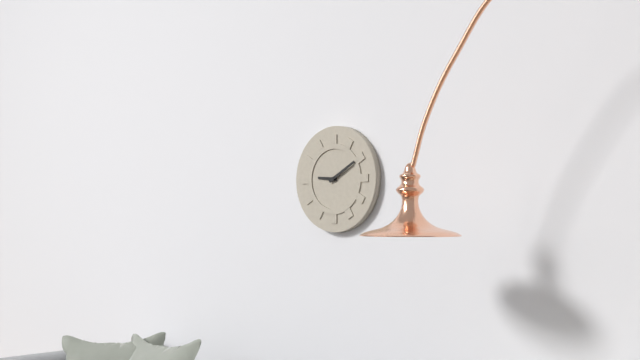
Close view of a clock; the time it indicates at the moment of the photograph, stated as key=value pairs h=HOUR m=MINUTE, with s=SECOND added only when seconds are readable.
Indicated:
h=9 m=10
